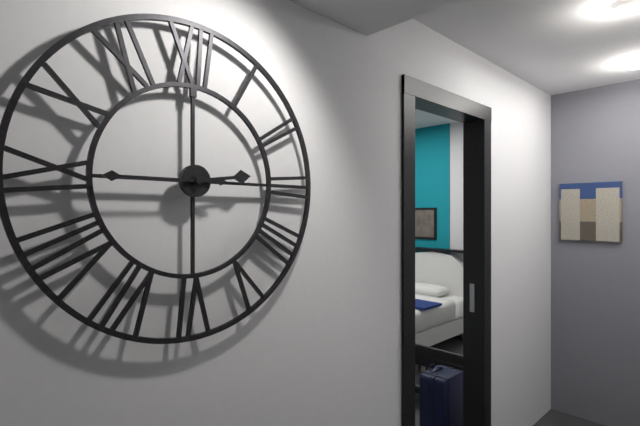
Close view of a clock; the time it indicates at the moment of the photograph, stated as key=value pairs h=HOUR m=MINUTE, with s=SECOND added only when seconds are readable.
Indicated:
h=2 m=45
